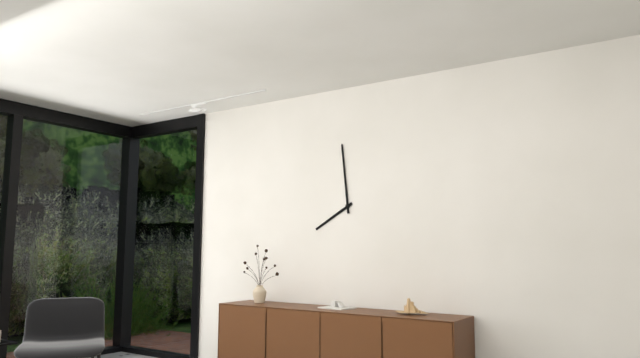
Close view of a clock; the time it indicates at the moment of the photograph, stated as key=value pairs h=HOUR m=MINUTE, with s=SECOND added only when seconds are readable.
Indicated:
h=7 m=59
